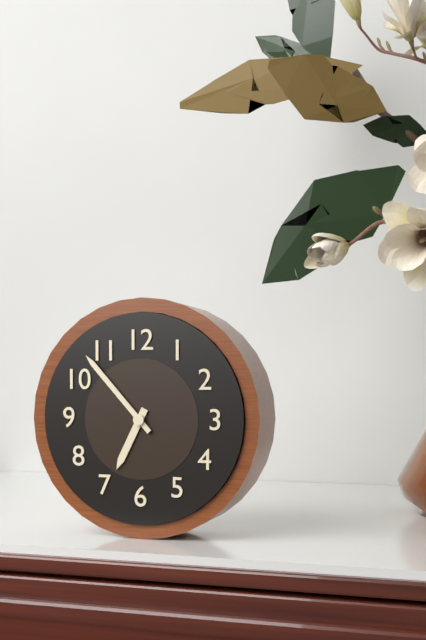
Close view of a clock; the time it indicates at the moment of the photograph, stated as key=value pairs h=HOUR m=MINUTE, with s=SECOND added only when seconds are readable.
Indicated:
h=6 m=53
